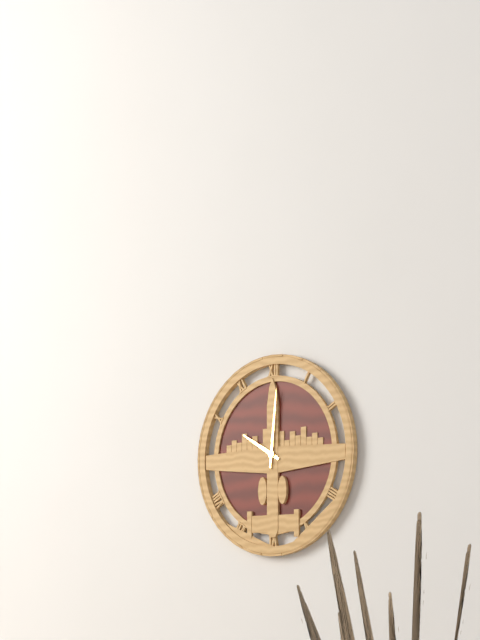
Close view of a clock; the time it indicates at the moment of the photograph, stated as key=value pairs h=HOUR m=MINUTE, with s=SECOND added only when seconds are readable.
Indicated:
h=10 m=1
